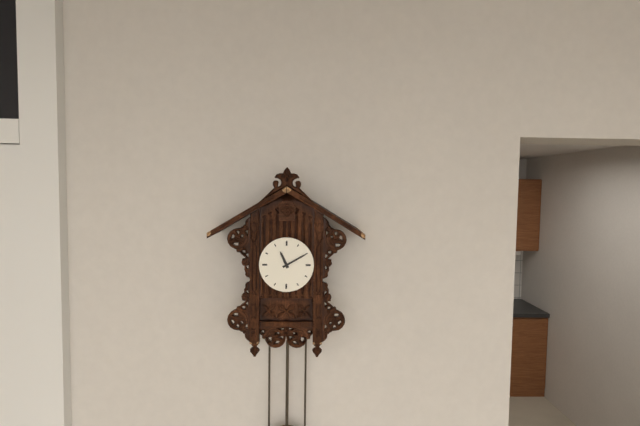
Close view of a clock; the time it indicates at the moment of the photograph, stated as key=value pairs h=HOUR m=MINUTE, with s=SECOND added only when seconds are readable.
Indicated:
h=11 m=10
